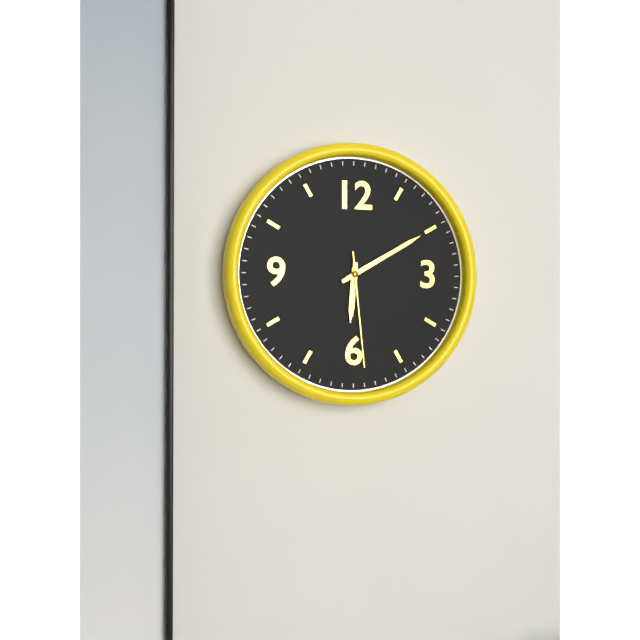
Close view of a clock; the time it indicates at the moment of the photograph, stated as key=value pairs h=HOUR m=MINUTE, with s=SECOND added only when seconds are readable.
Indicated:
h=6 m=10 s=29
